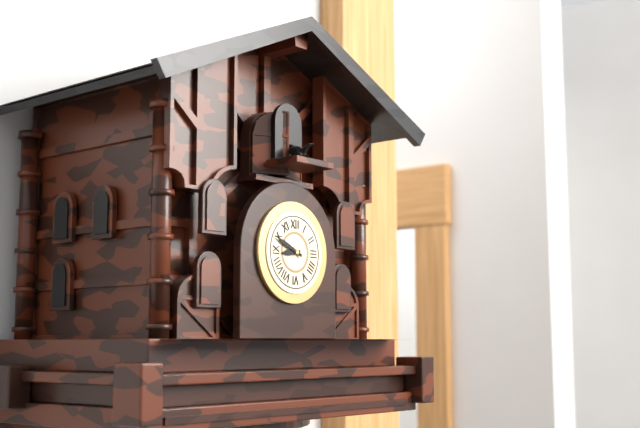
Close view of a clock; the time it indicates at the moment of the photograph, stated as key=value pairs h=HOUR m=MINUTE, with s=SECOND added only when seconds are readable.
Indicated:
h=8 m=49
